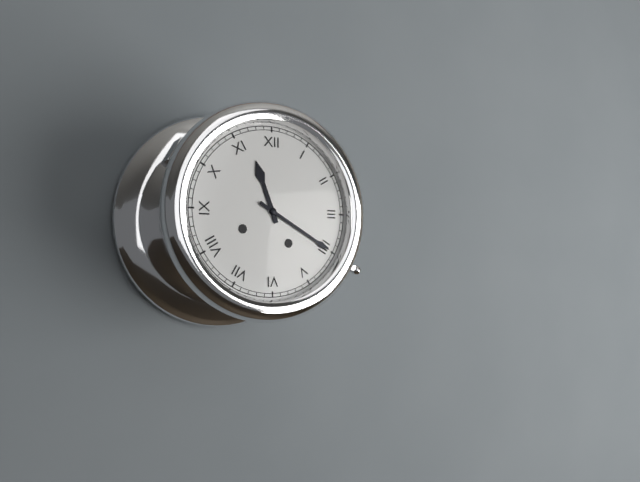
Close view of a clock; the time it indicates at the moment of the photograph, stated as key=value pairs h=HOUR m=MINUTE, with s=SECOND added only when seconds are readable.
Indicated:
h=11 m=20
